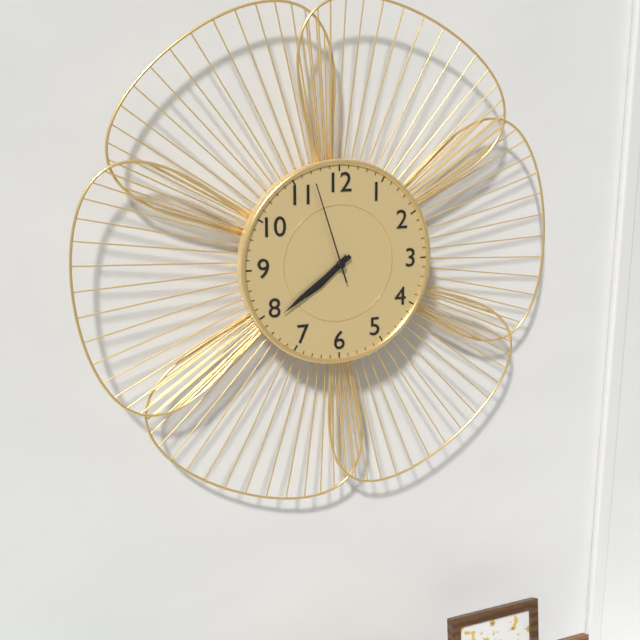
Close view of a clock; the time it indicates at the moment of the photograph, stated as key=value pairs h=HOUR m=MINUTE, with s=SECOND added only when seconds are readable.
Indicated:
h=7 m=39 s=57
